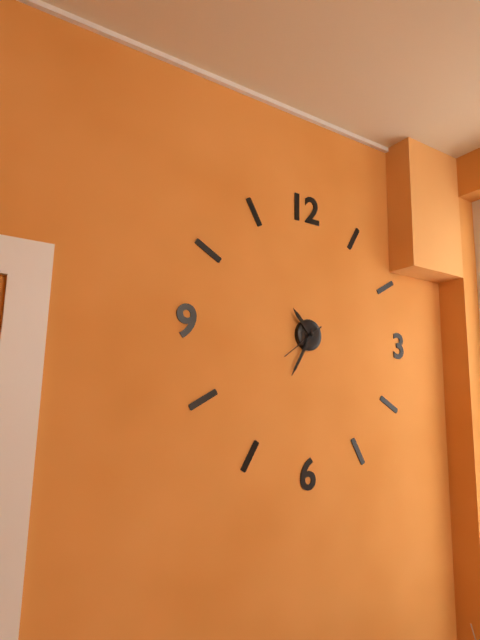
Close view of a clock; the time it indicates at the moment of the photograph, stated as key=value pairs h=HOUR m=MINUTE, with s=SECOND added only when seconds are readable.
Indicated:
h=10 m=35
